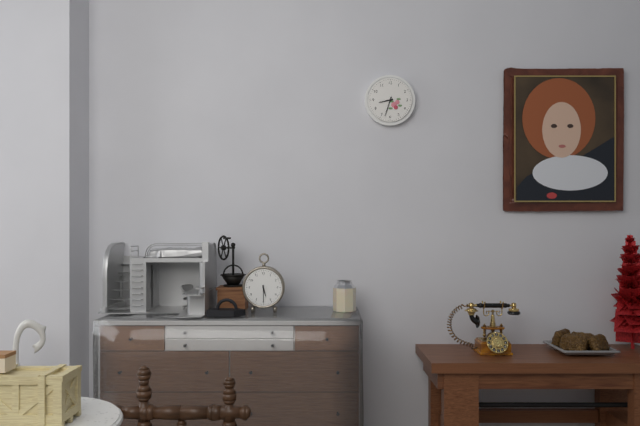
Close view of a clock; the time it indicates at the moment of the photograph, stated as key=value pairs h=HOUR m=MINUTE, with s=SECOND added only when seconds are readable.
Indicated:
h=8 m=33
